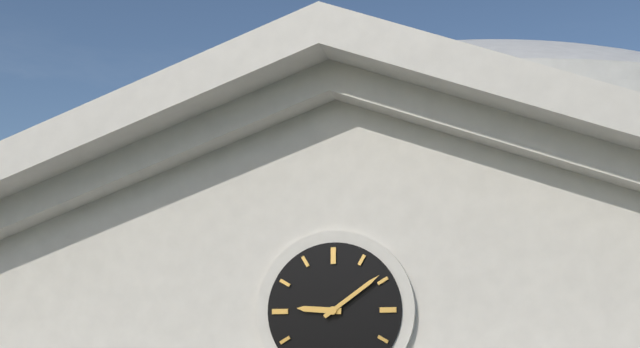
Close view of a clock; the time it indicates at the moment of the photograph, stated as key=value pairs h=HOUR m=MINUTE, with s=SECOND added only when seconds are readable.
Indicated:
h=9 m=9
